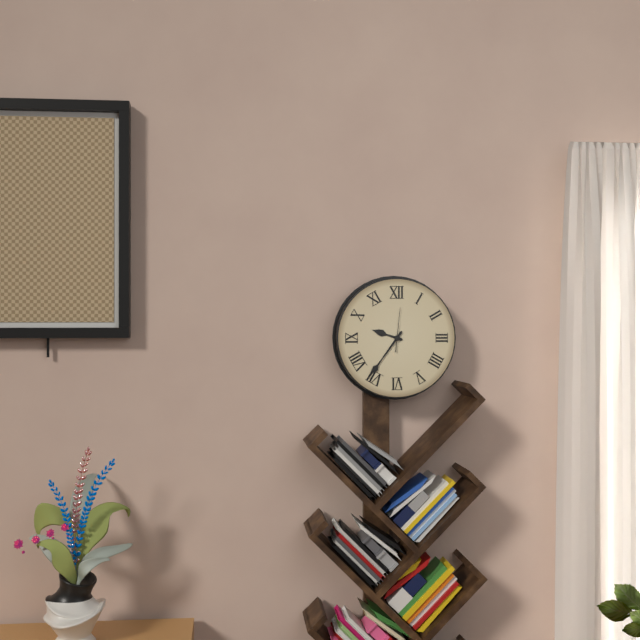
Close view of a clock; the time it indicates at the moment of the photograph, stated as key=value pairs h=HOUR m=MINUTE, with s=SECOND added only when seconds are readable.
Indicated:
h=9 m=36
